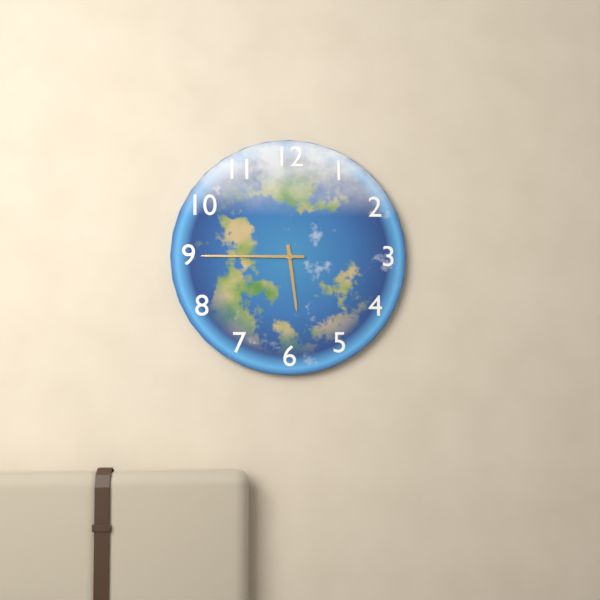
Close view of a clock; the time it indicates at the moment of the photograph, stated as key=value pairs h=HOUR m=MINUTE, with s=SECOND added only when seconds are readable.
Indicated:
h=5 m=45
